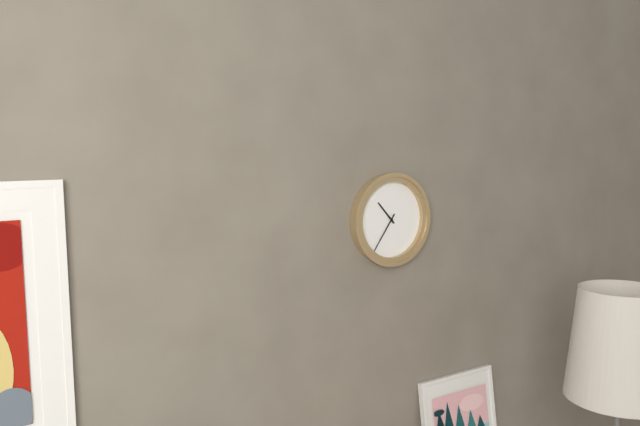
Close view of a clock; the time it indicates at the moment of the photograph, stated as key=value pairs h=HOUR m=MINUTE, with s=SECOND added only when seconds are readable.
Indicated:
h=10 m=36
